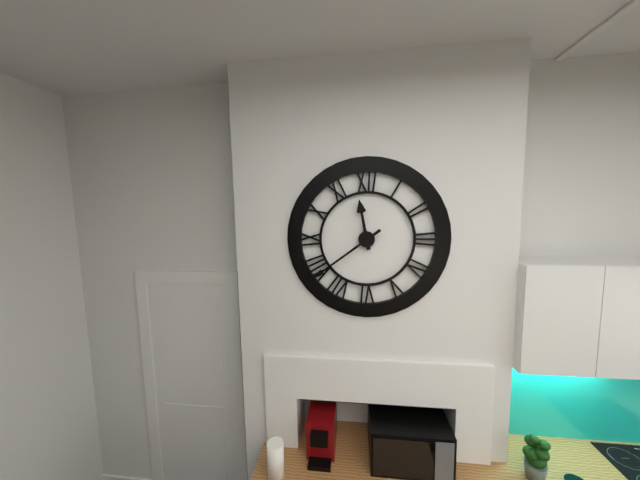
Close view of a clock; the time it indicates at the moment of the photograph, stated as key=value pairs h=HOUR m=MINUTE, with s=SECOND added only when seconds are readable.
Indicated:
h=11 m=39
